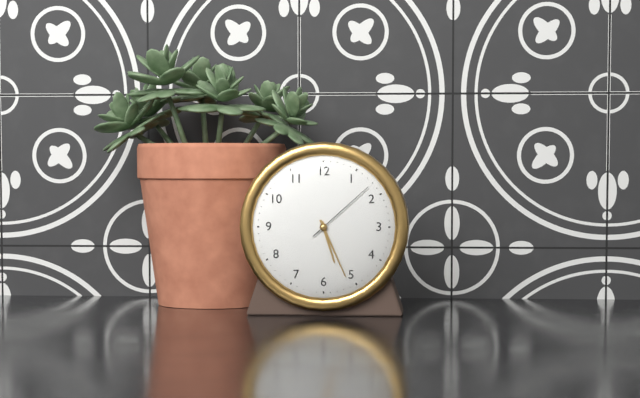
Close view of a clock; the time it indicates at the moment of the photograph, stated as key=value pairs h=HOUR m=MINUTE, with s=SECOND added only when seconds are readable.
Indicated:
h=5 m=26 s=8
